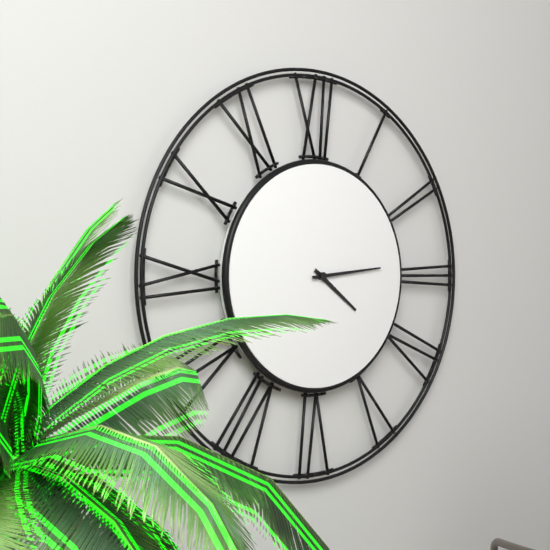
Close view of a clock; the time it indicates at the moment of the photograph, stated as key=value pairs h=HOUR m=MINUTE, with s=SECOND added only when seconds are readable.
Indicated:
h=4 m=14
